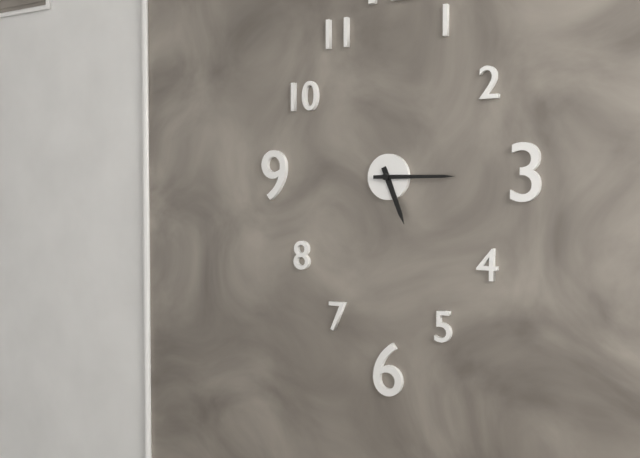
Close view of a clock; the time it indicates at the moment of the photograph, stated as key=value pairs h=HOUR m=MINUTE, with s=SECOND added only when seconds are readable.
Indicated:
h=5 m=15
